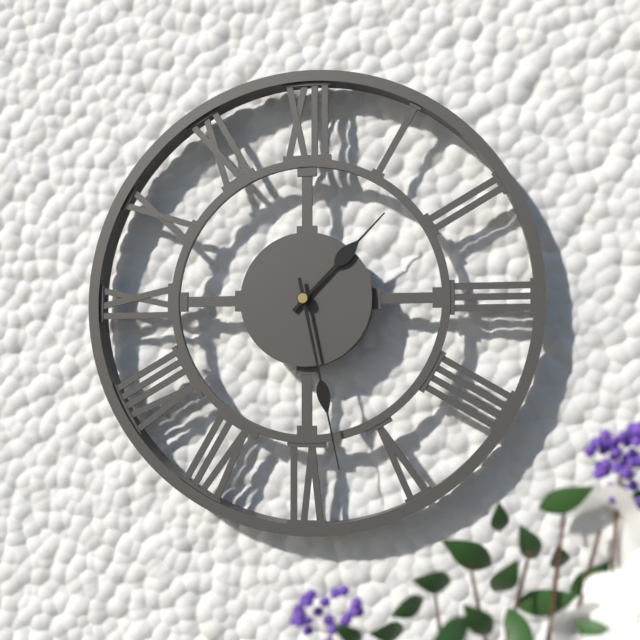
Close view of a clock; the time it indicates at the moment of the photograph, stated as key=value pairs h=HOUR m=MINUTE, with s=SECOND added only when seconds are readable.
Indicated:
h=1 m=28
